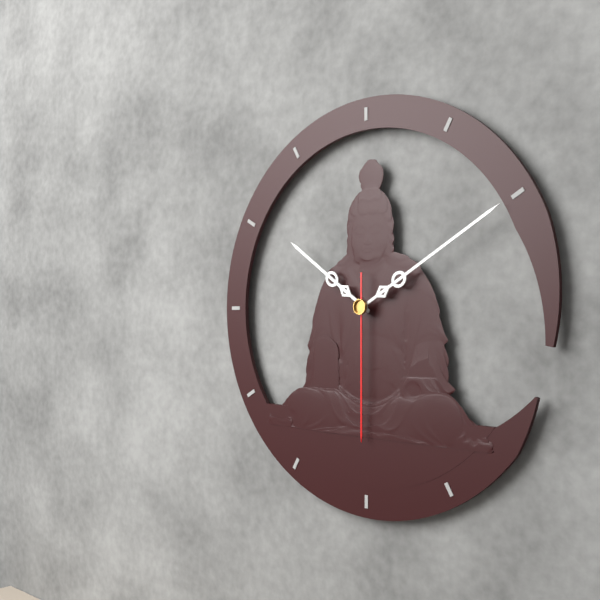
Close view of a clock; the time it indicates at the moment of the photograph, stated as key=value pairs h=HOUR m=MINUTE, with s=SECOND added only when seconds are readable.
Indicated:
h=10 m=10 s=30
